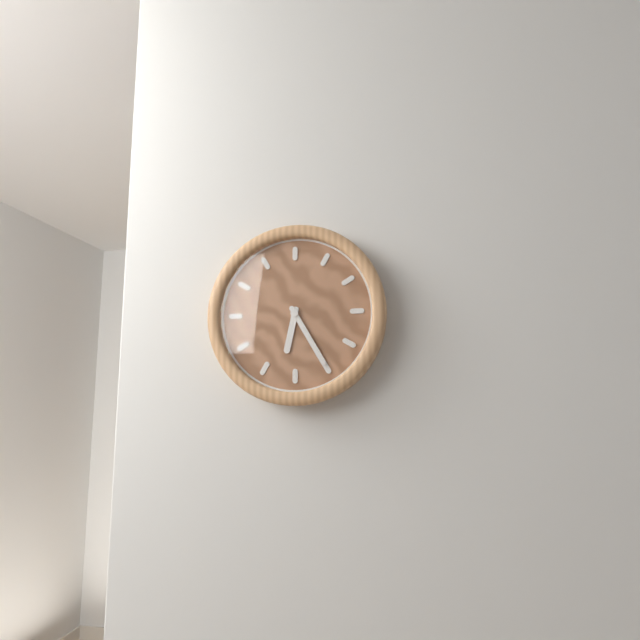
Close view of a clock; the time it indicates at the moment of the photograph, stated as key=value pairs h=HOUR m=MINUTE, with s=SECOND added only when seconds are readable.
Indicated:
h=6 m=25
